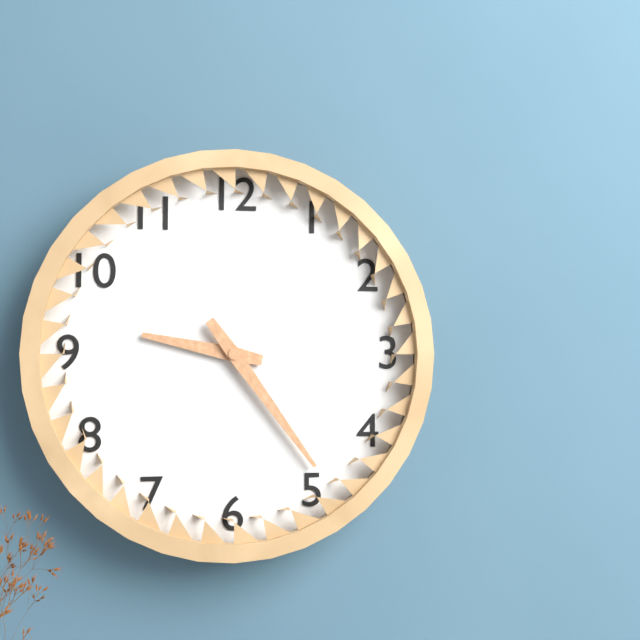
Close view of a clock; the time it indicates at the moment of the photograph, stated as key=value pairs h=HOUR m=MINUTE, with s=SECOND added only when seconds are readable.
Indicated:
h=9 m=24
